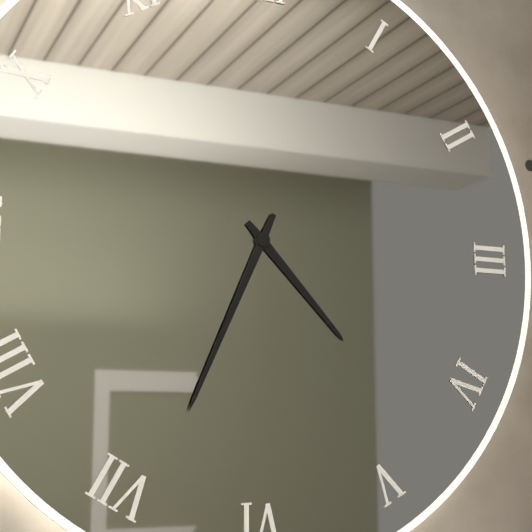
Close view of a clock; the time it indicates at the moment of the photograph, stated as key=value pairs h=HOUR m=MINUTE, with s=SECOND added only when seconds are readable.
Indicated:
h=4 m=34
